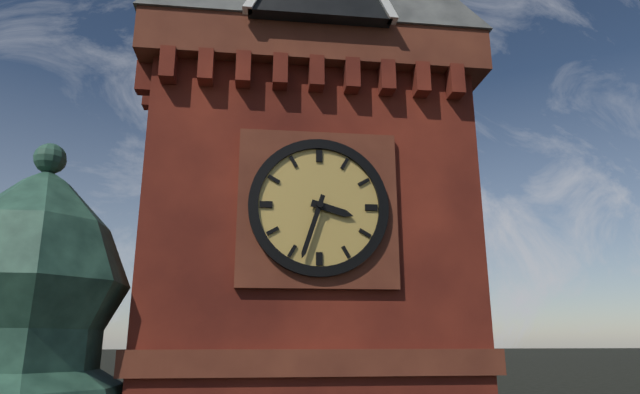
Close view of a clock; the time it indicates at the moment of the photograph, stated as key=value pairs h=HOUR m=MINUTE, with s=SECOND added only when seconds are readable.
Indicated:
h=3 m=33
